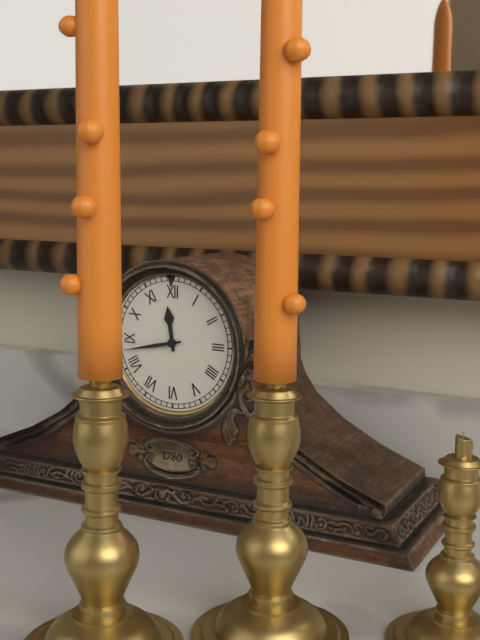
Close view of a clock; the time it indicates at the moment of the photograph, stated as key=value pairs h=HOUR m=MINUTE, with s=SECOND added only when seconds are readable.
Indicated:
h=11 m=43
